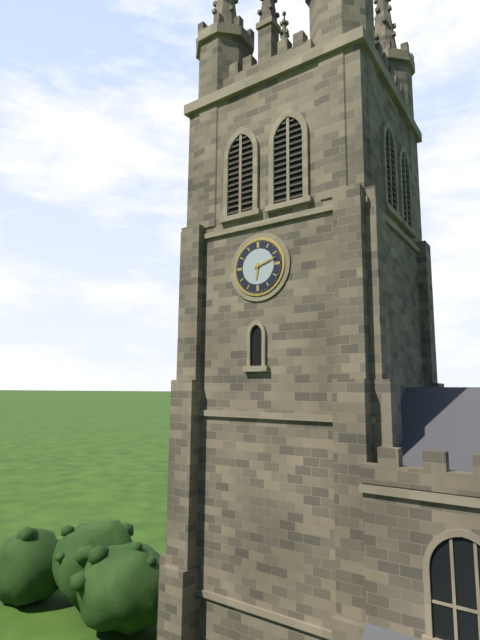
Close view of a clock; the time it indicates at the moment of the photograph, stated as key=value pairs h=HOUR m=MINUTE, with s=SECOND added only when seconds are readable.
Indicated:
h=6 m=12
